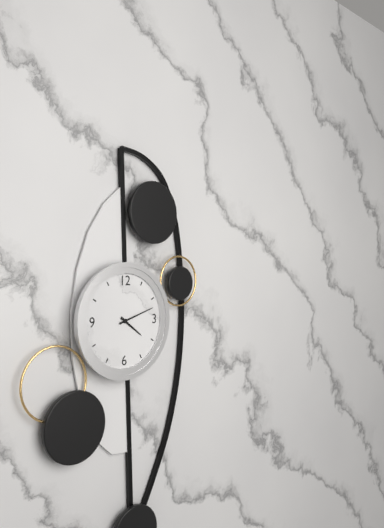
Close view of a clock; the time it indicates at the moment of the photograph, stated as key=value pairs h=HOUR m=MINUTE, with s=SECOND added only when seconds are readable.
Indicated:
h=4 m=12
